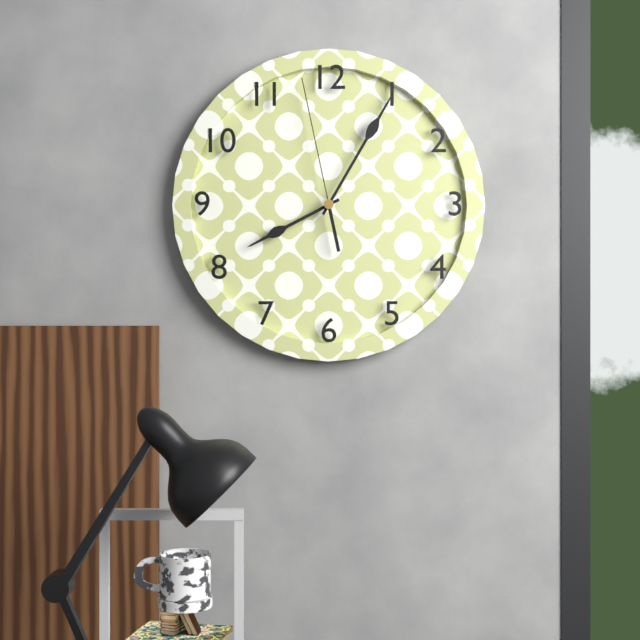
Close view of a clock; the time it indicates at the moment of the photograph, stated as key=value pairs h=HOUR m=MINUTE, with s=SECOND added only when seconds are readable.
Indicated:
h=8 m=5 s=58
